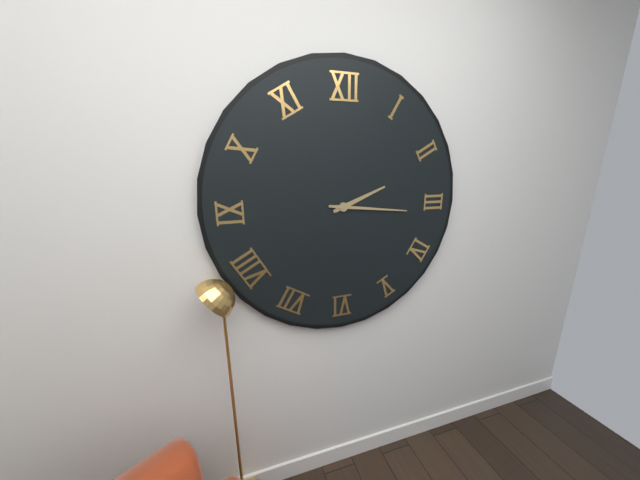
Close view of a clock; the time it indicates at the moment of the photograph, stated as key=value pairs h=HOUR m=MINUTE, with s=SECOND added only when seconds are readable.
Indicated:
h=2 m=16
